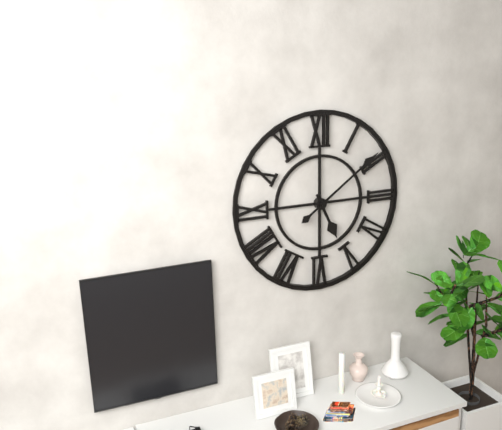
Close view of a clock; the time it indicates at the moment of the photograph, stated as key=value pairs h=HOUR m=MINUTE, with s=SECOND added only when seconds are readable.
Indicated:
h=5 m=9
